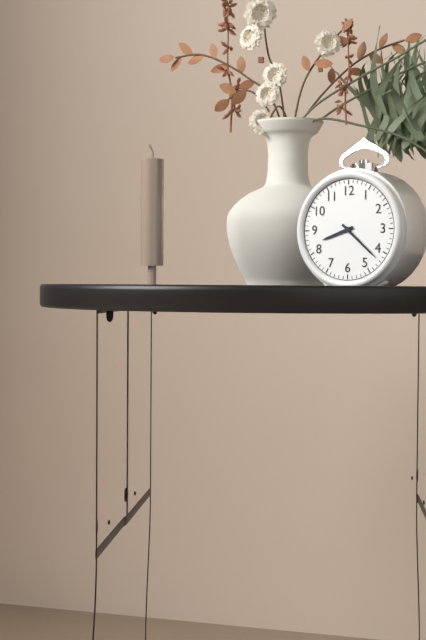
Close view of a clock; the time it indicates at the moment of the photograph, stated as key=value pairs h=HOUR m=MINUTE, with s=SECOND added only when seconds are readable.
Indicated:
h=8 m=22
